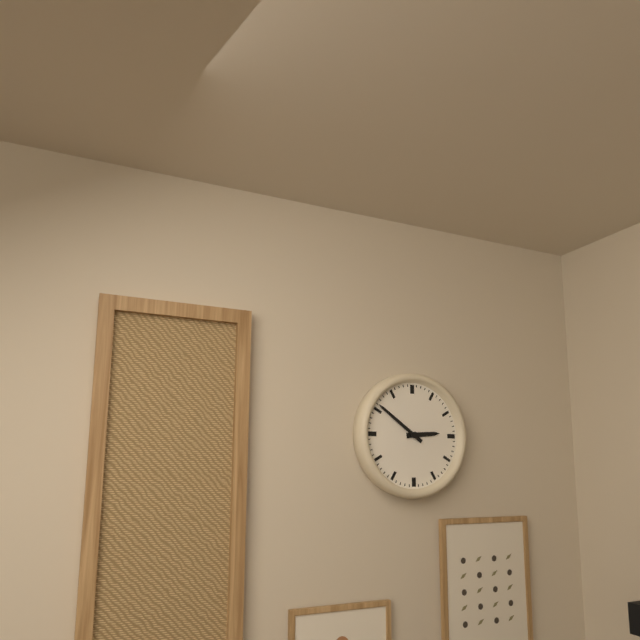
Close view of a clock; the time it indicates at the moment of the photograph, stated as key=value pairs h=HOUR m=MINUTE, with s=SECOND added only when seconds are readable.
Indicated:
h=2 m=51
